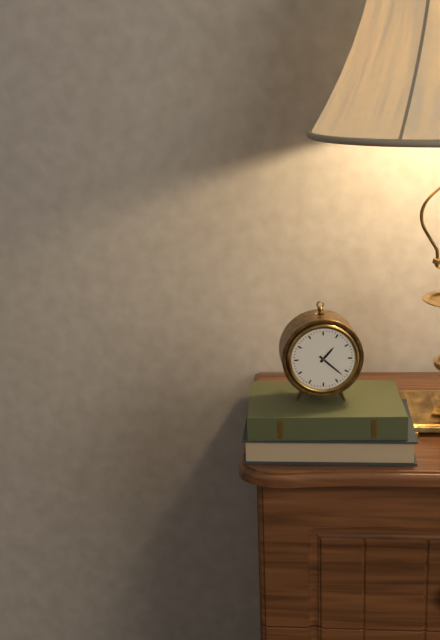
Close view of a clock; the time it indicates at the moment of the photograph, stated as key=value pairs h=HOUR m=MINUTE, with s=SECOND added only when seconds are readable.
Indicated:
h=1 m=22
